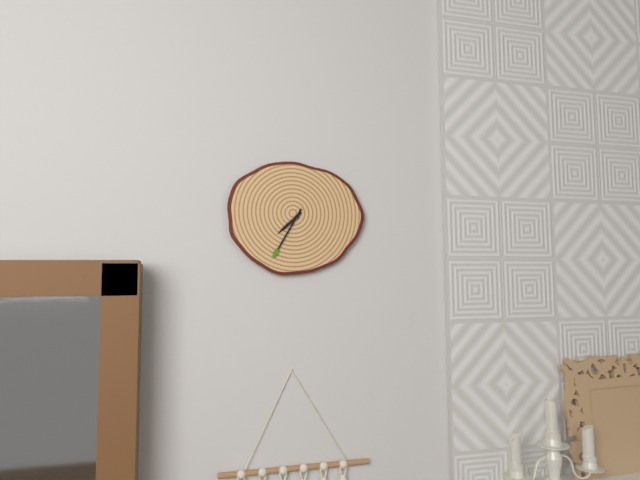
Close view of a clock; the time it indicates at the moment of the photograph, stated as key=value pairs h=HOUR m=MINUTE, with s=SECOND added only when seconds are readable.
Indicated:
h=7 m=35
